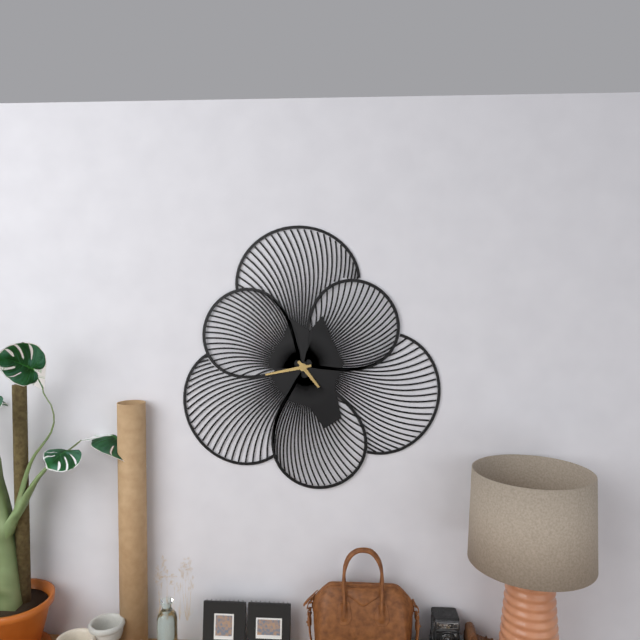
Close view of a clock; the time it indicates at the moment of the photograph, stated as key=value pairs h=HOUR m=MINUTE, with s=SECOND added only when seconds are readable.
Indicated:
h=4 m=43
